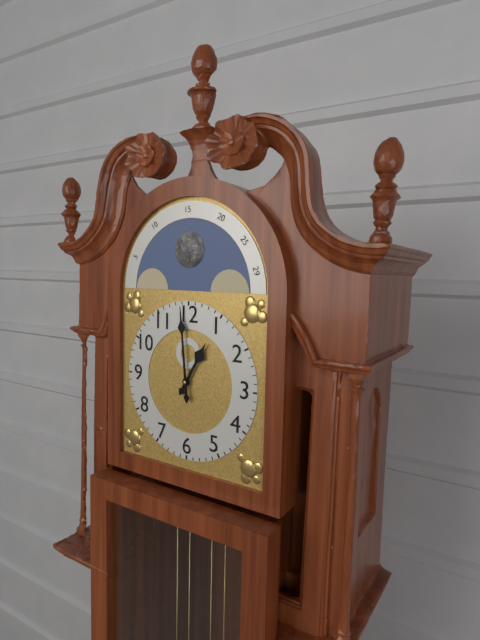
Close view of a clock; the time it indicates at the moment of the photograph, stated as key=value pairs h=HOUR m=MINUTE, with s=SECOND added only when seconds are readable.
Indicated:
h=12 m=59
